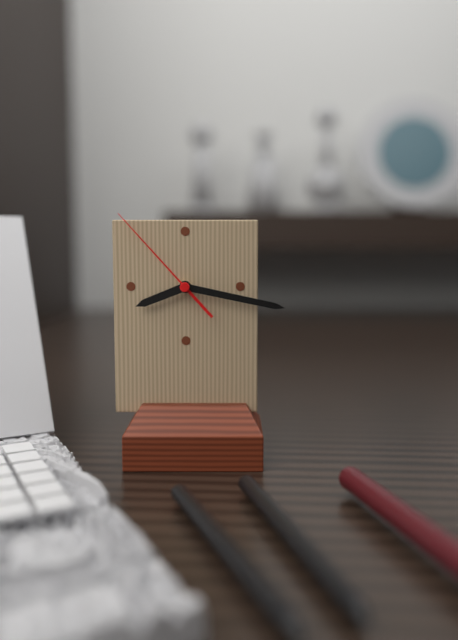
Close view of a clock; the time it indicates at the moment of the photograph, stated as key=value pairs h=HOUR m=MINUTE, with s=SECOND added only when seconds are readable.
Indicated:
h=8 m=17 s=53
